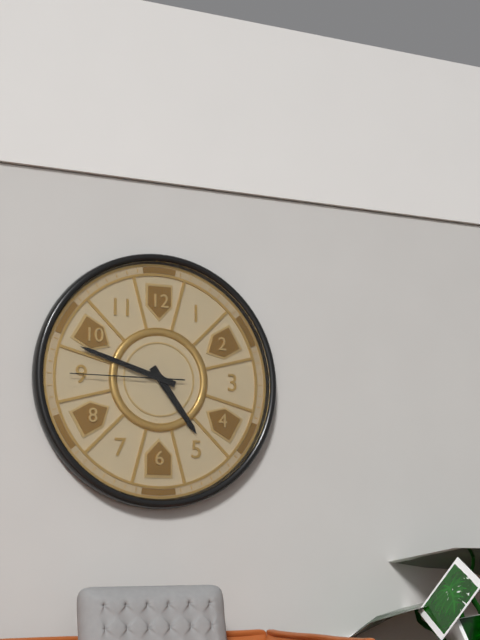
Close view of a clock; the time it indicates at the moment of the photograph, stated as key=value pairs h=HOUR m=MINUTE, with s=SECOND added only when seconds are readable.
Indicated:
h=4 m=48 s=45
